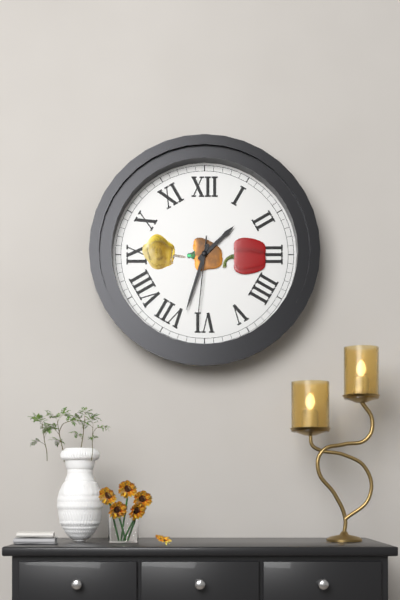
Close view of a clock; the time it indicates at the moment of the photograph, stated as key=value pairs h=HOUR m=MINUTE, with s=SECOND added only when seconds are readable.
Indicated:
h=1 m=33 s=31
